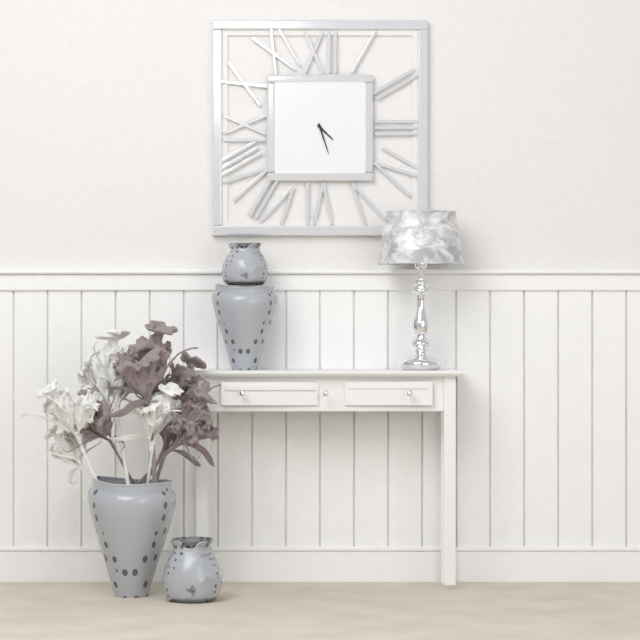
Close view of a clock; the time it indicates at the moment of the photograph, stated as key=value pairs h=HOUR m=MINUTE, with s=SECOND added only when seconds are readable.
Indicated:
h=4 m=27
